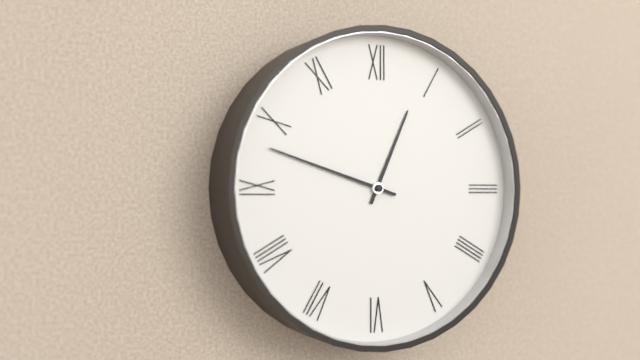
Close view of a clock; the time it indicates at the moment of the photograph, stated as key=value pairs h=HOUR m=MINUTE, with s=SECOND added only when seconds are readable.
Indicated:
h=12 m=48
